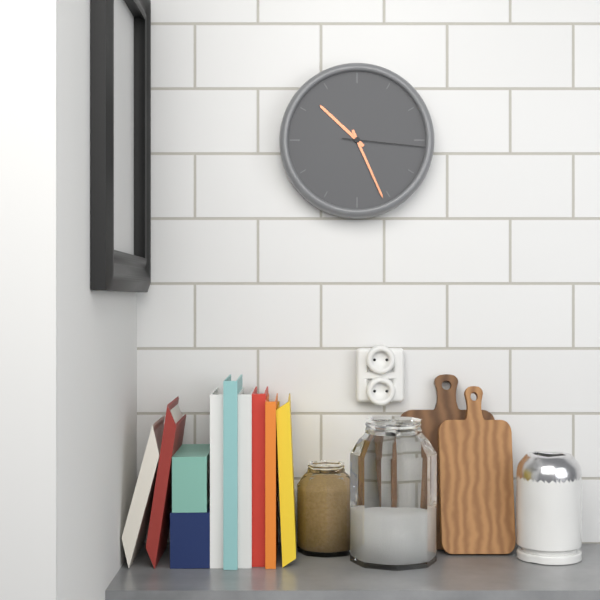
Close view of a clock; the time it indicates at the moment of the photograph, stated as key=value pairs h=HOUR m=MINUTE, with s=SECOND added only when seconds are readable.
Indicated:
h=10 m=26 s=16
